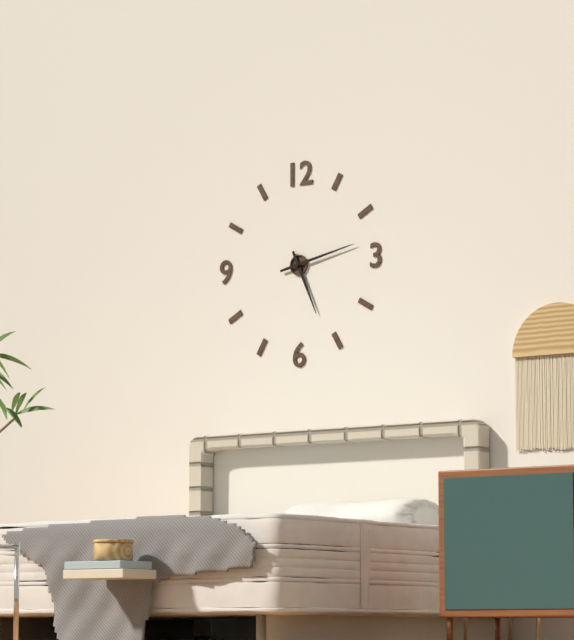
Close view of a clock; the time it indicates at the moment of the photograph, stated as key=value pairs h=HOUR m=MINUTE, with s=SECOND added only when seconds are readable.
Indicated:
h=5 m=13
